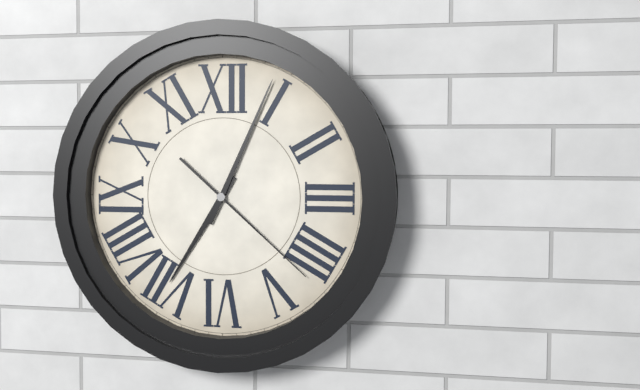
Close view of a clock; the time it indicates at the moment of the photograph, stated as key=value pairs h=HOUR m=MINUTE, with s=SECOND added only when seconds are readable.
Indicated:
h=7 m=4 s=22
